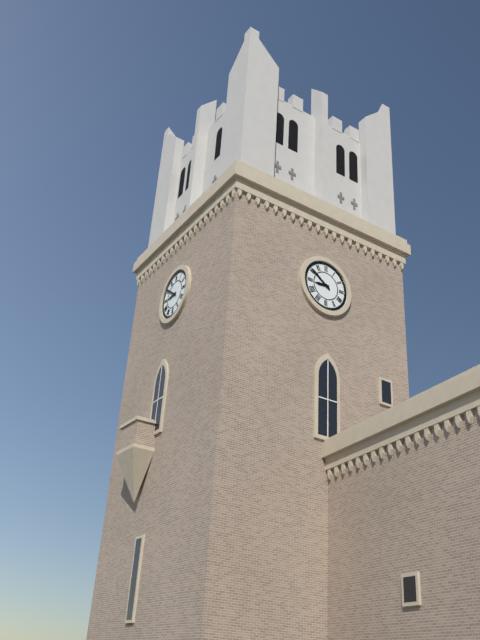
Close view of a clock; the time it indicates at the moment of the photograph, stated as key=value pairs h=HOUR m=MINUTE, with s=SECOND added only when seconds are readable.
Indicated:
h=8 m=51
